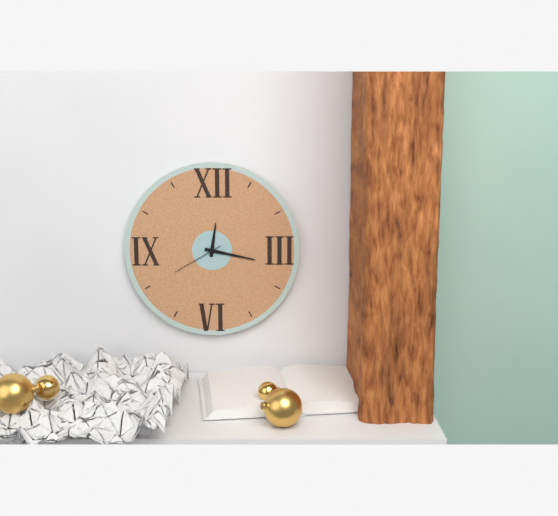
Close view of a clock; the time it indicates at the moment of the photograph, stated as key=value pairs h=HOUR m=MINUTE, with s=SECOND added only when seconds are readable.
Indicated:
h=12 m=17 s=40
